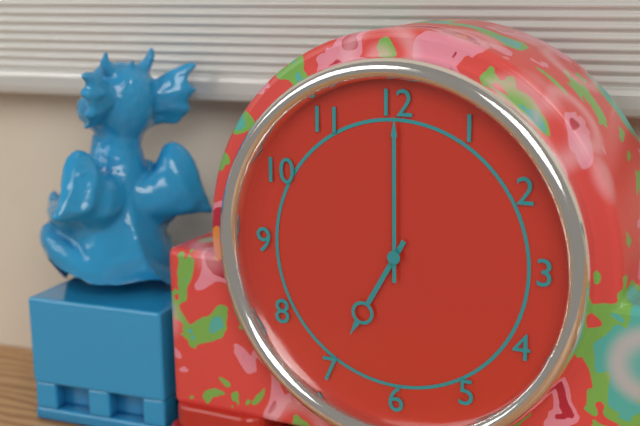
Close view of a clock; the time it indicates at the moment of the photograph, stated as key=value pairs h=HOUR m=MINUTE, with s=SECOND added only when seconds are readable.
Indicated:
h=7 m=0
